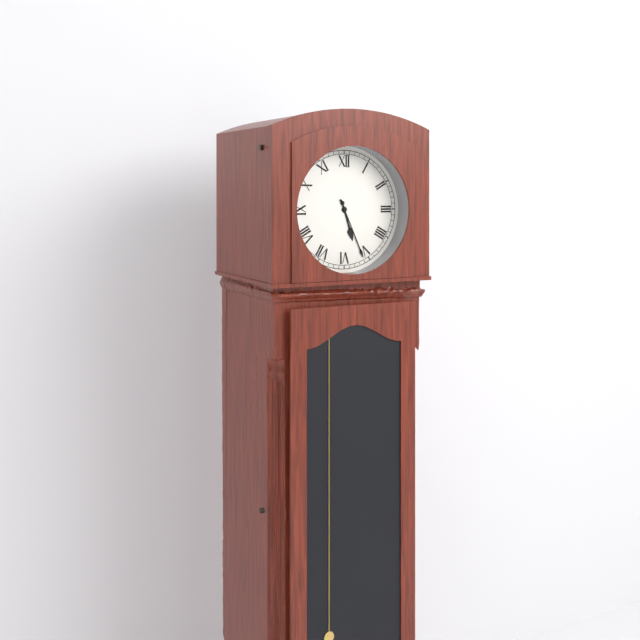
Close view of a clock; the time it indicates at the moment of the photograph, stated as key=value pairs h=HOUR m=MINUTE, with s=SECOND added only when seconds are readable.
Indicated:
h=5 m=26
